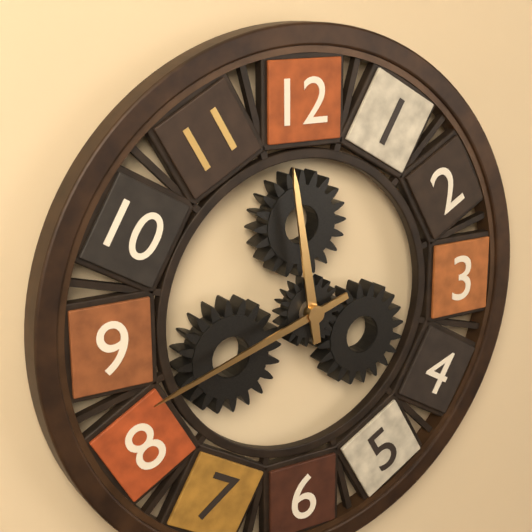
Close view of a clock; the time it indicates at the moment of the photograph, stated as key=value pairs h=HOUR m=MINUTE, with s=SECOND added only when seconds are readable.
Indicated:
h=11 m=42
